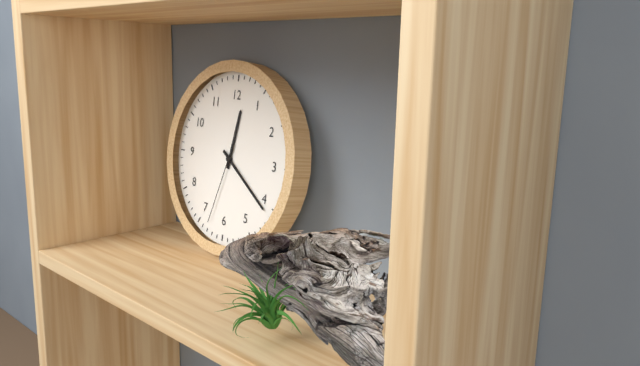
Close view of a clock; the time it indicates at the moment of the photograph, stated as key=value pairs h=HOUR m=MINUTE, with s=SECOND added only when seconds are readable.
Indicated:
h=12 m=21 s=33
